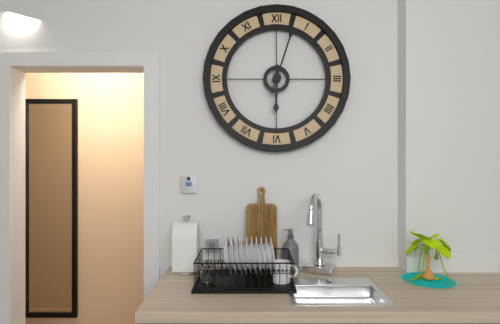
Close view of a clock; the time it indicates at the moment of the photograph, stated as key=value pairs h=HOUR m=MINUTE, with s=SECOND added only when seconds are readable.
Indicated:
h=6 m=3
